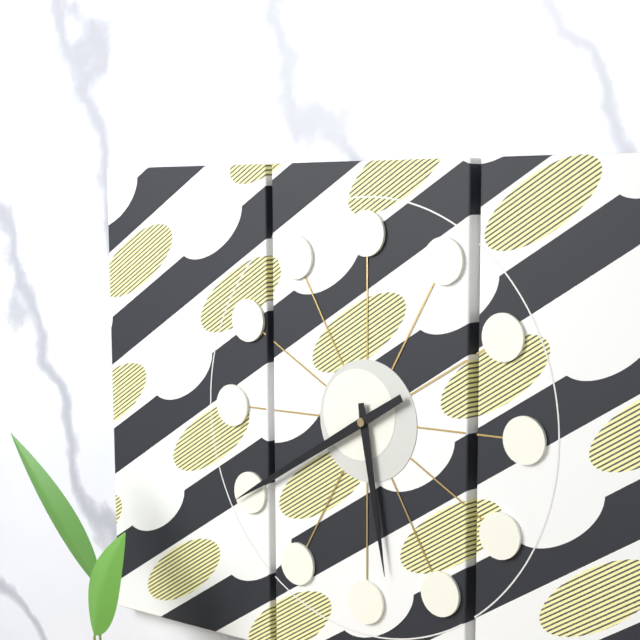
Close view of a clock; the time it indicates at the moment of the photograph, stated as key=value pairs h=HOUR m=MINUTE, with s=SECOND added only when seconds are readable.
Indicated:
h=5 m=40
